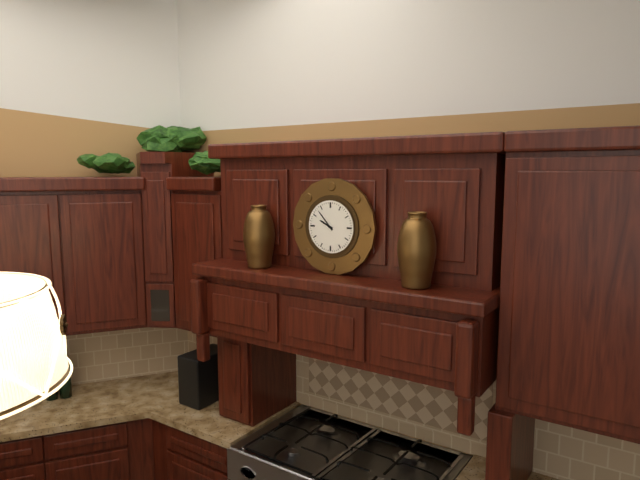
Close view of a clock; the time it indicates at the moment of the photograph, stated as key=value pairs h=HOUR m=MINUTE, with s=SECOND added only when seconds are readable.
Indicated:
h=9 m=53
